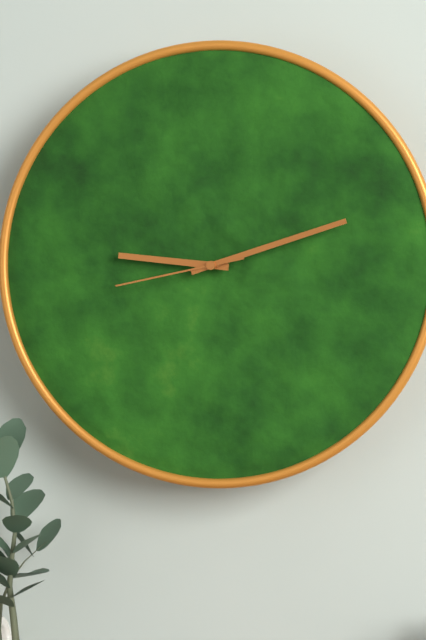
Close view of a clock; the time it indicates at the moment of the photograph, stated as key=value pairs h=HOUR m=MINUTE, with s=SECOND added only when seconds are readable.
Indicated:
h=9 m=12 s=43
